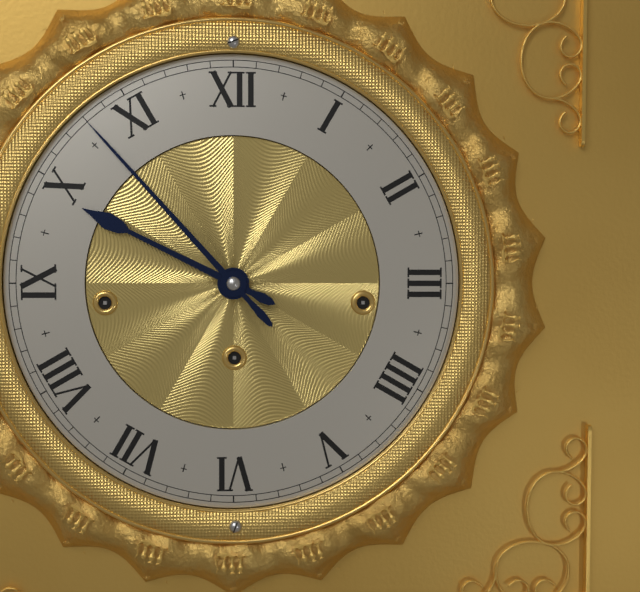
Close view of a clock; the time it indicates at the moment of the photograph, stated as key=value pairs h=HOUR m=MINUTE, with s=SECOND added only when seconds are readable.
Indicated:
h=9 m=53
